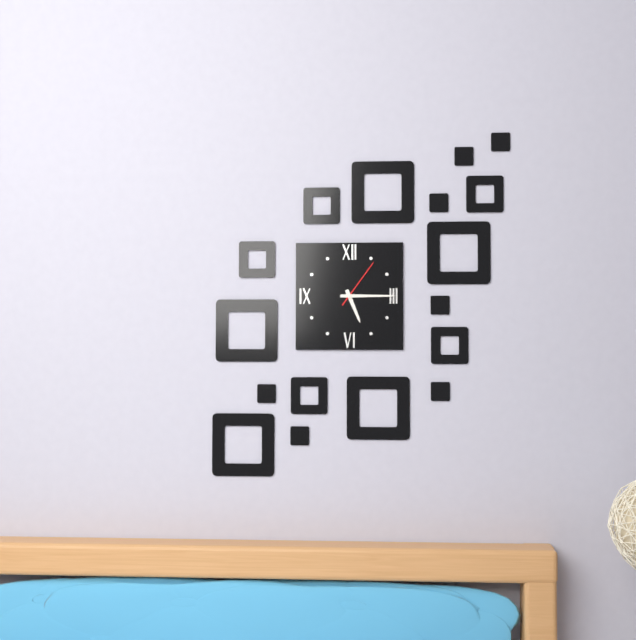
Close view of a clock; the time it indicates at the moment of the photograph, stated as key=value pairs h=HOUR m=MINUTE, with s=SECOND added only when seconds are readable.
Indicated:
h=5 m=15 s=6
